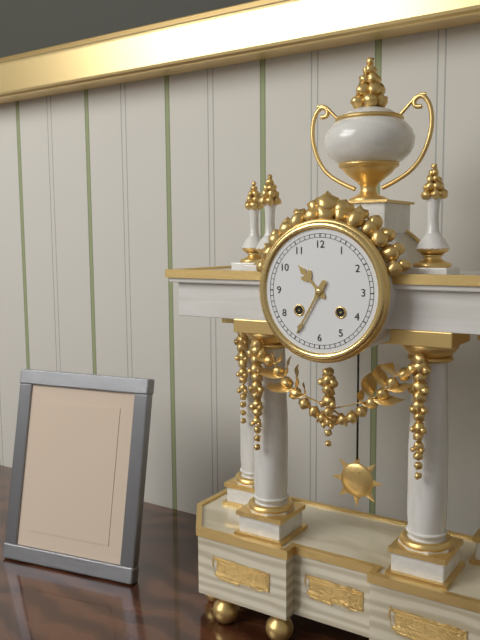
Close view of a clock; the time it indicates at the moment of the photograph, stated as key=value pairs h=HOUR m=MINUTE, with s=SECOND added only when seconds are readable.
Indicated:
h=10 m=35
